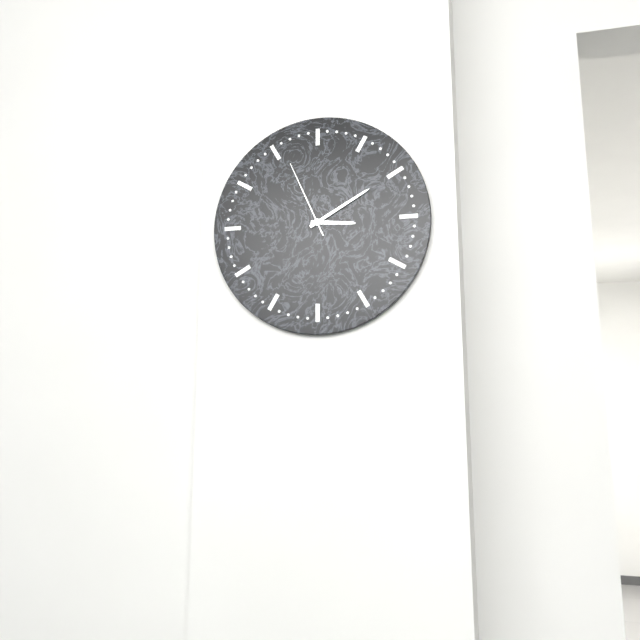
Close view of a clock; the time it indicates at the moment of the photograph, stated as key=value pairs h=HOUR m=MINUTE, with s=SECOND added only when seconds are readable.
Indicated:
h=3 m=10 s=56
